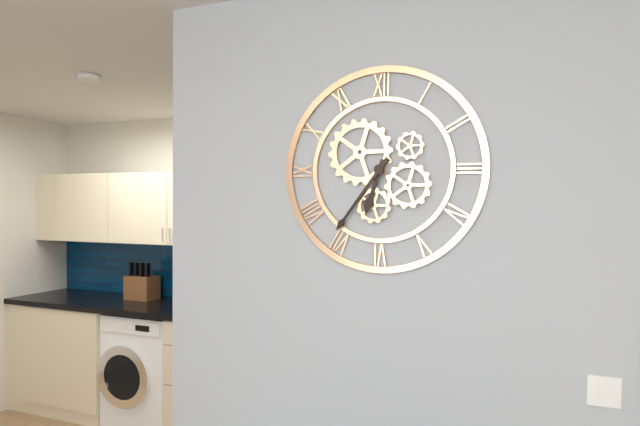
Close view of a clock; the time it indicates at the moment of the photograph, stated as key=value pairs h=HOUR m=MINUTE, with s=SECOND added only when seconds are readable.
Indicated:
h=6 m=36
